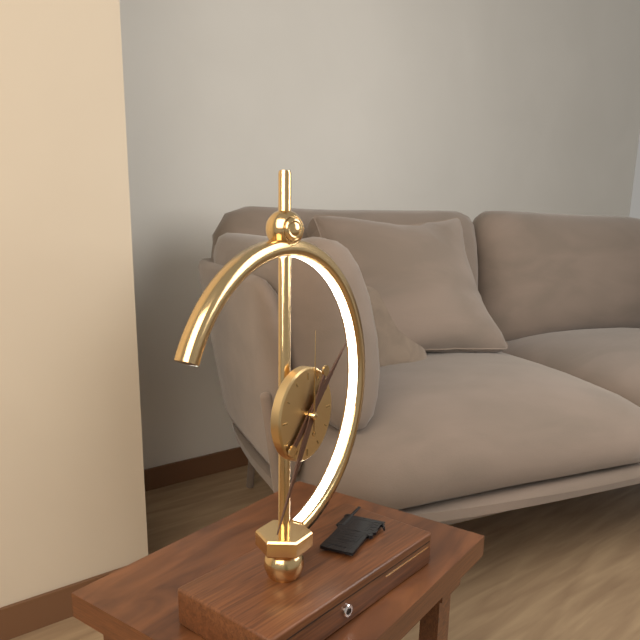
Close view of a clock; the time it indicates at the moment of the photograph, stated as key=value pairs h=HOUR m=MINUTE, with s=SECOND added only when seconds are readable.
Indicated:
h=1 m=35 s=0
